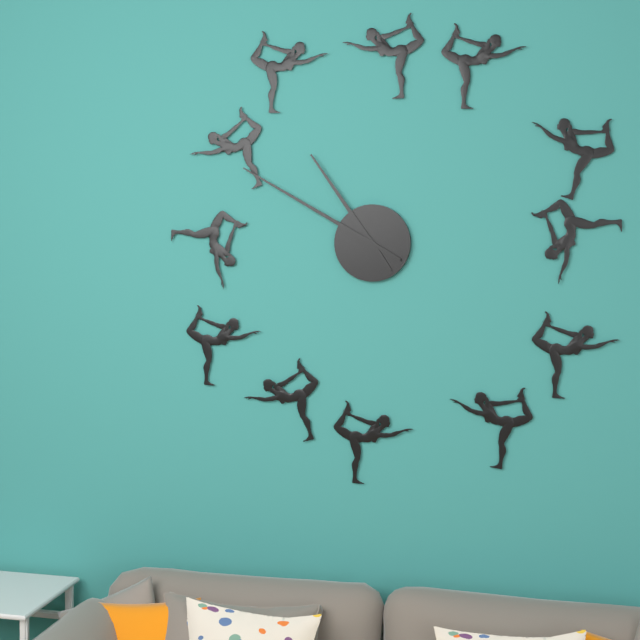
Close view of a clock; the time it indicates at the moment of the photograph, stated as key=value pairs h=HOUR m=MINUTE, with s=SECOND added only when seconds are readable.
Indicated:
h=10 m=50
